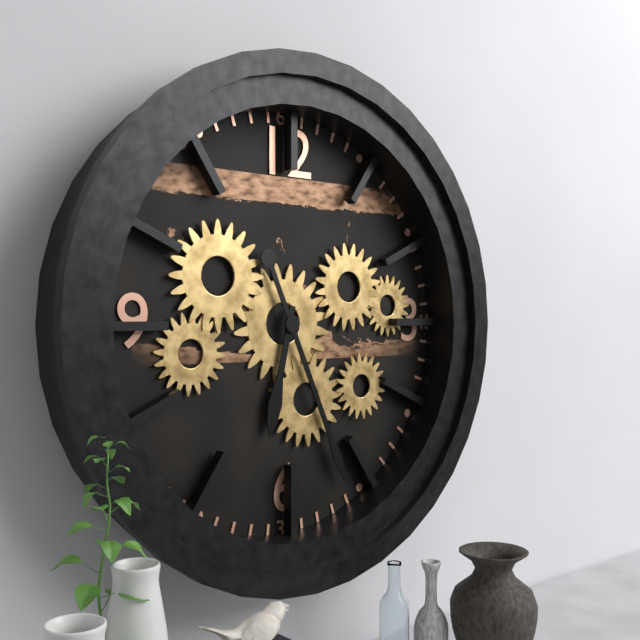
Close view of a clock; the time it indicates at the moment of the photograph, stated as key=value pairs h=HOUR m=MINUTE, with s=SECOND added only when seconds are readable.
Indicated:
h=6 m=26
